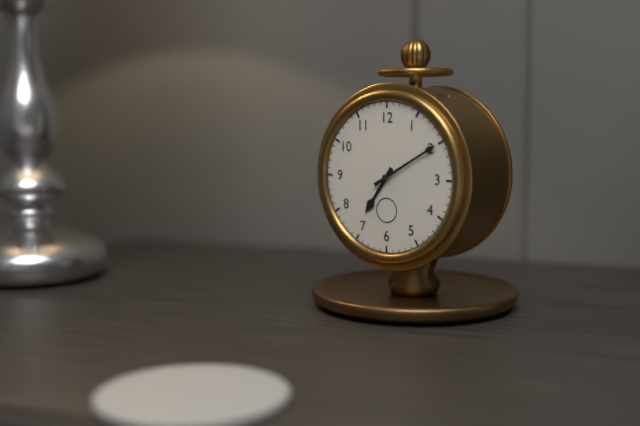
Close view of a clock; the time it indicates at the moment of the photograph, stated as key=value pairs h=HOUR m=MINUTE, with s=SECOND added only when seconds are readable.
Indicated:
h=7 m=10
